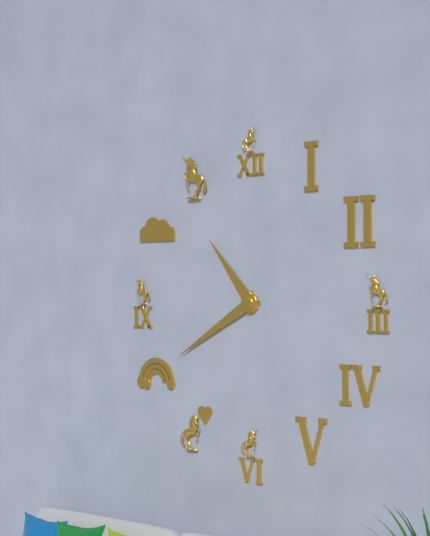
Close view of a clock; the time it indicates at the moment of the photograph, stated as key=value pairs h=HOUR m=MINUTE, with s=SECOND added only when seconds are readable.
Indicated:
h=10 m=40
